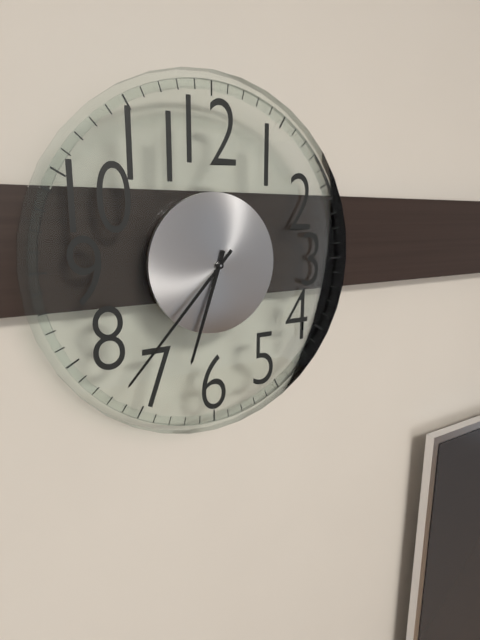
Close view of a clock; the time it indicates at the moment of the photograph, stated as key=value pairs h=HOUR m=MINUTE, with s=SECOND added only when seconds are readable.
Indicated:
h=6 m=37
